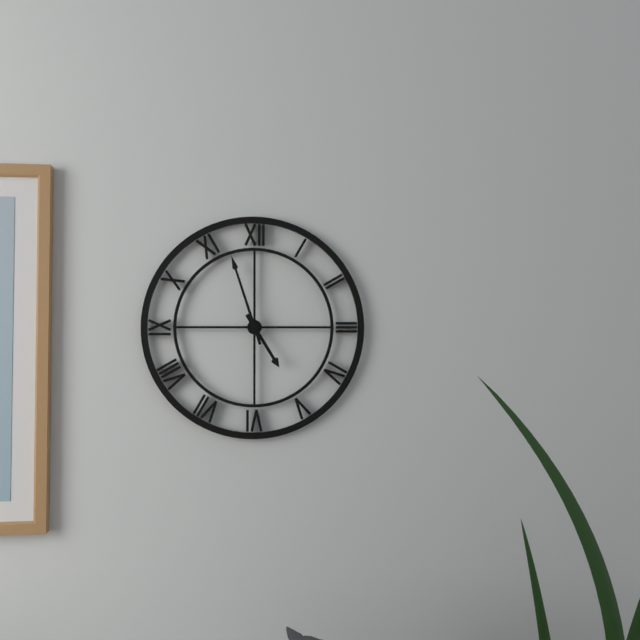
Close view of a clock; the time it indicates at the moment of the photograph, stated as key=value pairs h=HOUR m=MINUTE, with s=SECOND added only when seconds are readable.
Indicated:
h=4 m=57
